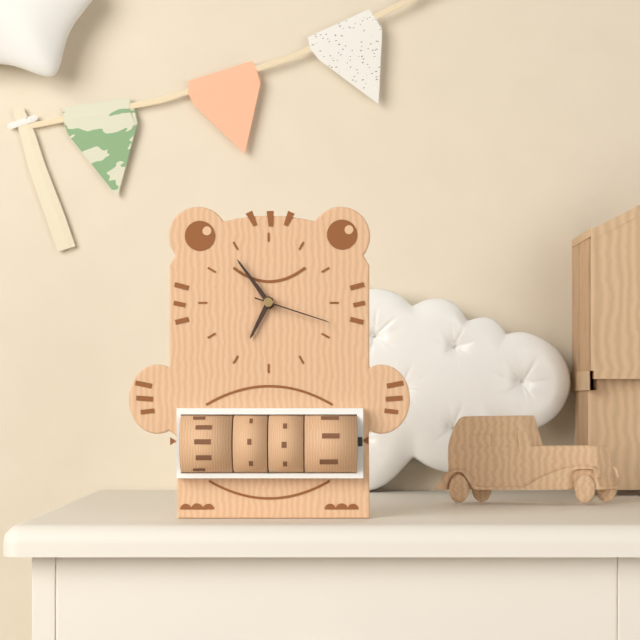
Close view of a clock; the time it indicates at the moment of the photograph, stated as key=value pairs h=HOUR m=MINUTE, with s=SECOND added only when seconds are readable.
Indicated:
h=6 m=54 s=18
